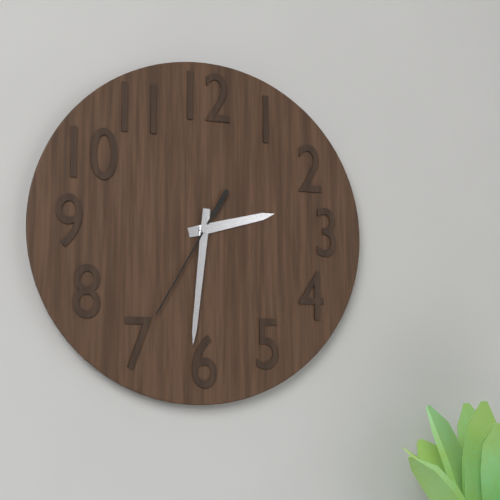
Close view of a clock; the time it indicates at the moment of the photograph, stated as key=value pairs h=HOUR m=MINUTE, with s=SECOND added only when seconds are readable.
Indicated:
h=2 m=31 s=35
